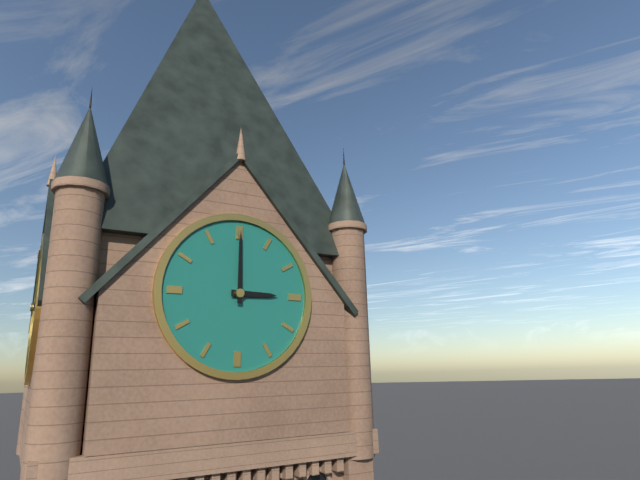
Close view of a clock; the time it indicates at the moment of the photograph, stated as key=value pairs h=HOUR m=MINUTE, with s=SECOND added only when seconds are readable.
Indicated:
h=3 m=0
